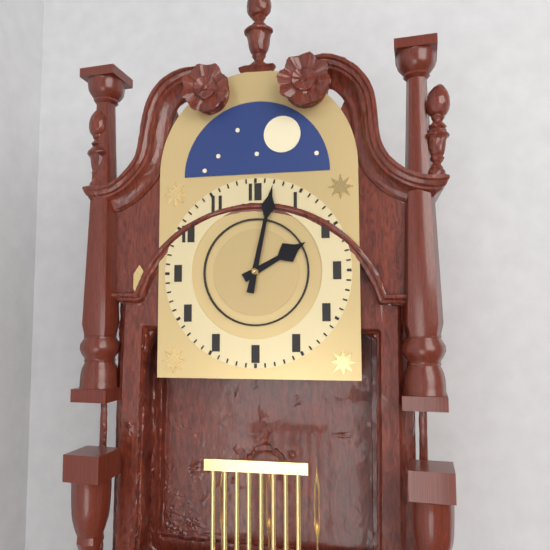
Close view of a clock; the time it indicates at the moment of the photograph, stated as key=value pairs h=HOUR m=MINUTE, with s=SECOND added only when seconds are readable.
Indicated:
h=2 m=2
